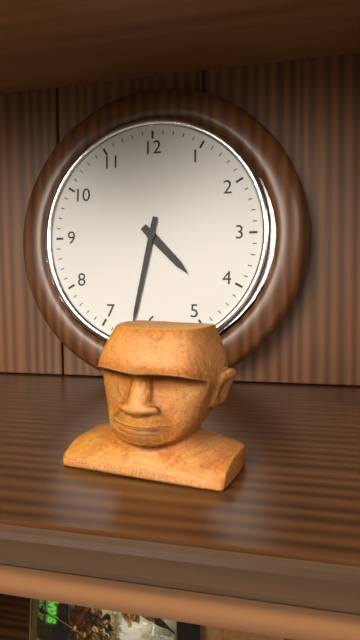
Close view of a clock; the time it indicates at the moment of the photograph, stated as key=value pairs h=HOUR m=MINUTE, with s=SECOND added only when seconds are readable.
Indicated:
h=4 m=32
